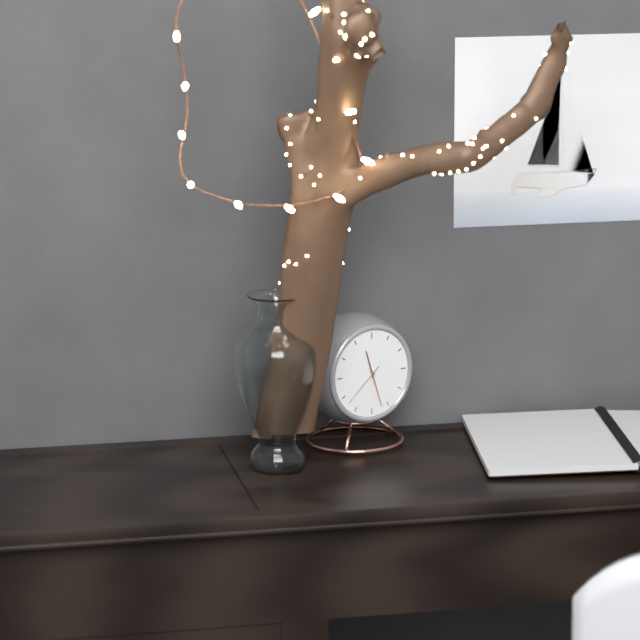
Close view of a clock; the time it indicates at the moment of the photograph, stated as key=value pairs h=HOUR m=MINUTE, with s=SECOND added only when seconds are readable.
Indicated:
h=11 m=27
